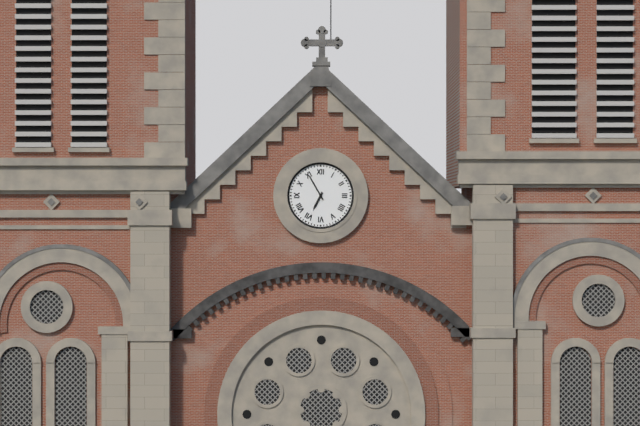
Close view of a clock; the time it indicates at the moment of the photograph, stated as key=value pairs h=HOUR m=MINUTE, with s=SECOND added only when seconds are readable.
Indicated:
h=6 m=55
